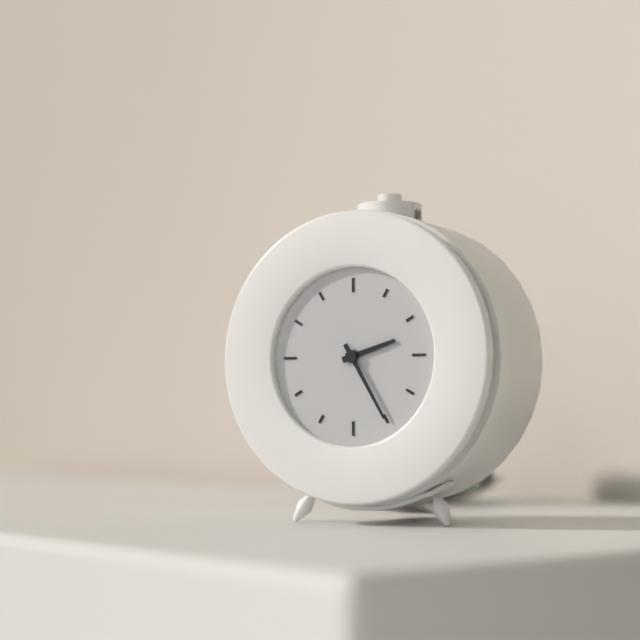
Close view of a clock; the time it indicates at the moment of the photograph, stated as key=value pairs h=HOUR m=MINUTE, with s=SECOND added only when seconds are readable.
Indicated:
h=2 m=25
